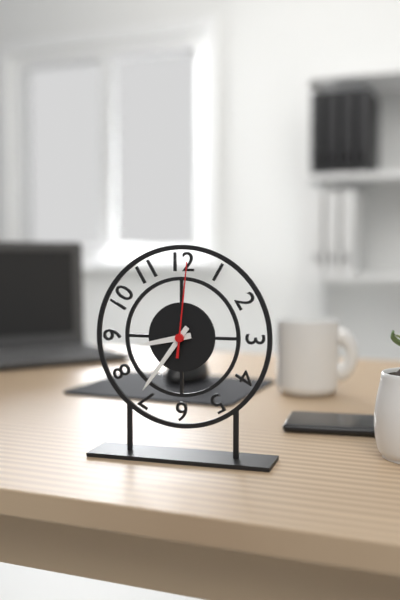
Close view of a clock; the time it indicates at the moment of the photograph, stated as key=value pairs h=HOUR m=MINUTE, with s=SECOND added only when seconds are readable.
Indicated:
h=8 m=36 s=1
